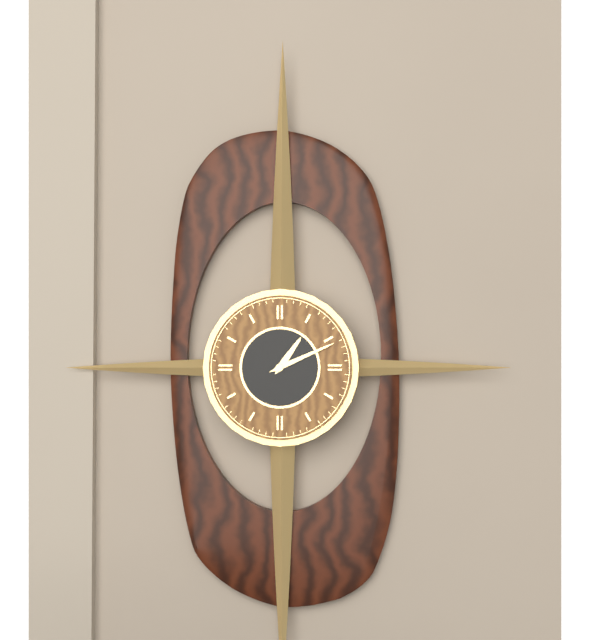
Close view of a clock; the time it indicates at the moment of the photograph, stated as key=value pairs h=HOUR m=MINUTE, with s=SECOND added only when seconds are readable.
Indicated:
h=1 m=11
